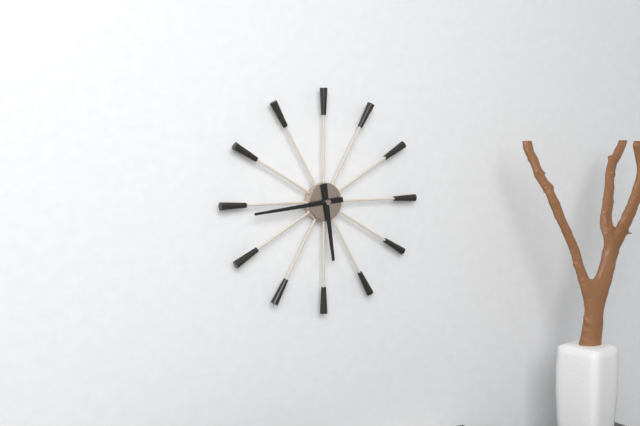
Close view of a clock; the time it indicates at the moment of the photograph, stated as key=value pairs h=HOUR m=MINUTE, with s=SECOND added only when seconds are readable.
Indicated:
h=5 m=44
